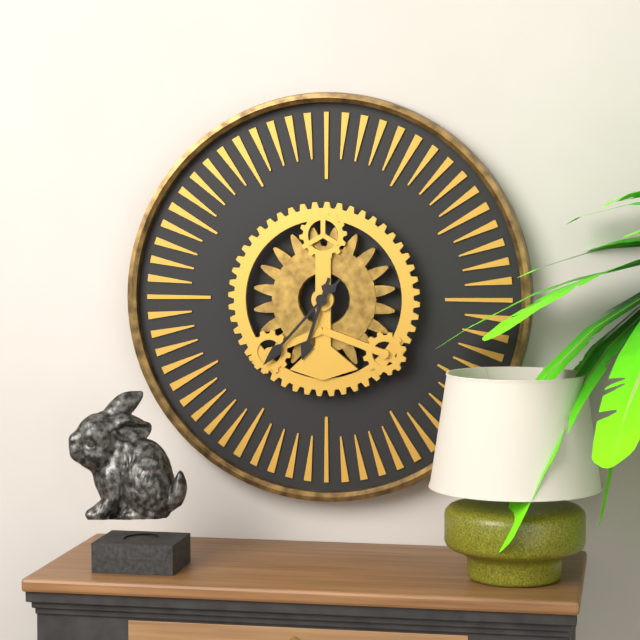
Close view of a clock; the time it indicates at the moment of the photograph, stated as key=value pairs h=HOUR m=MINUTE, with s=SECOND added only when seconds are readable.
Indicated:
h=6 m=37
